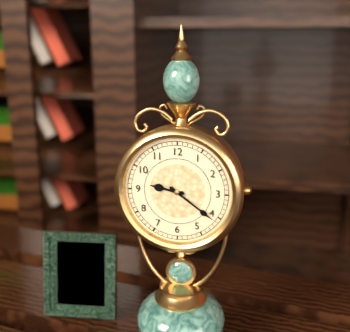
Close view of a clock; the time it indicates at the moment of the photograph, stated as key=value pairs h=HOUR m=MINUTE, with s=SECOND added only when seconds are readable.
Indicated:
h=9 m=21
